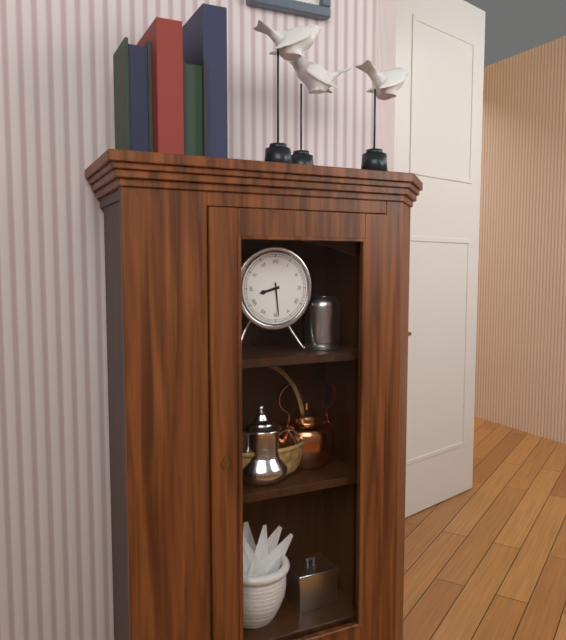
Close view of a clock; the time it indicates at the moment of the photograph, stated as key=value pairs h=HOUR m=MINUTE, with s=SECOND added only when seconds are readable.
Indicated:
h=8 m=29
